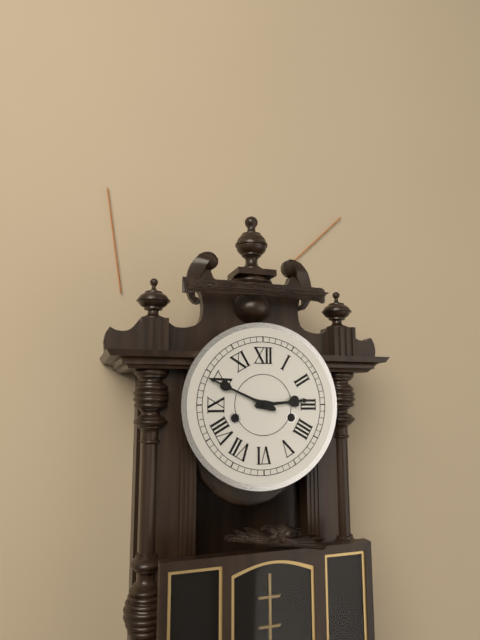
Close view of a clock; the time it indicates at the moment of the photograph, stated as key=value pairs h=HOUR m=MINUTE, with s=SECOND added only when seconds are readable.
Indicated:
h=2 m=49
